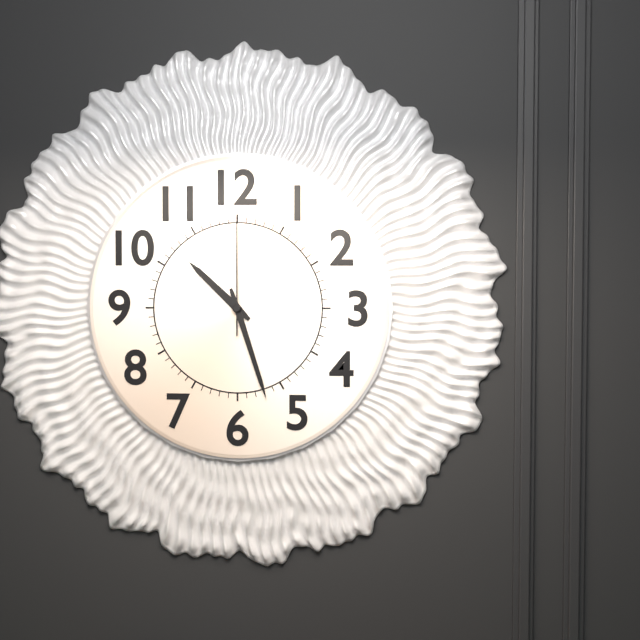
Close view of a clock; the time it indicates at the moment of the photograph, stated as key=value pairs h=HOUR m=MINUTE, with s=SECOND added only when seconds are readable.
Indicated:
h=10 m=27 s=0
